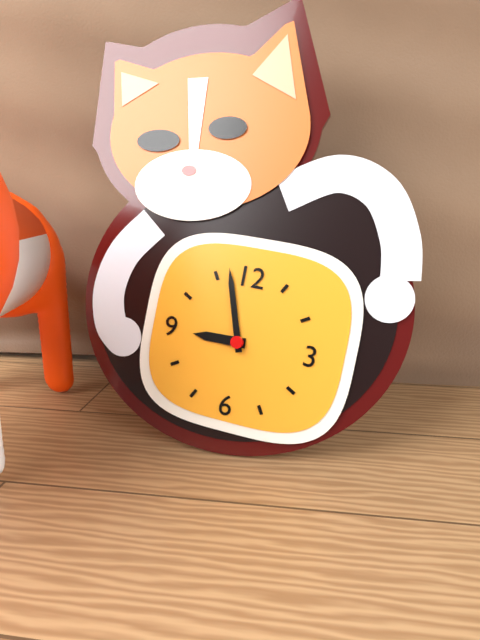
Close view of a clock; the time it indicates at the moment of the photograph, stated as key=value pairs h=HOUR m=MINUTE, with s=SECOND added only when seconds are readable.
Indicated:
h=8 m=57
